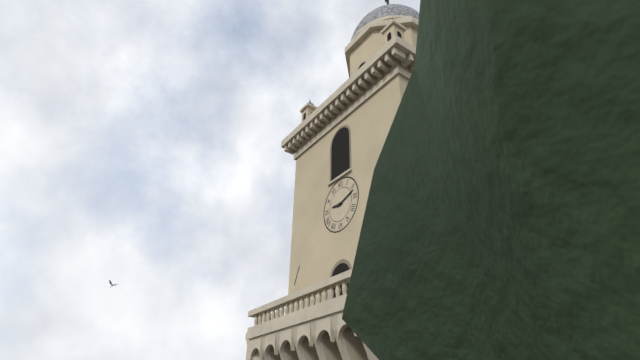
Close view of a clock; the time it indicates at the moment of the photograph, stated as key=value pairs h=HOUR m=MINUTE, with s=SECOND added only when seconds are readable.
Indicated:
h=9 m=12
